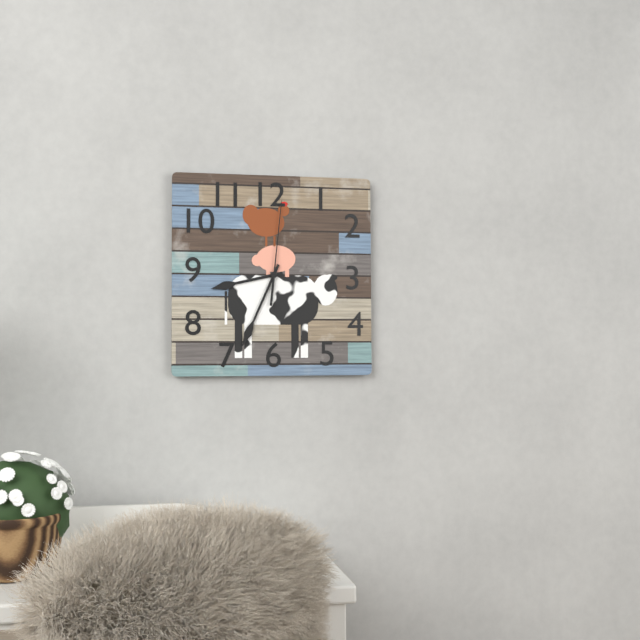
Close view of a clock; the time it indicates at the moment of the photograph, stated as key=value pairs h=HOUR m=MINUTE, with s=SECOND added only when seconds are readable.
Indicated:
h=8 m=34 s=1
